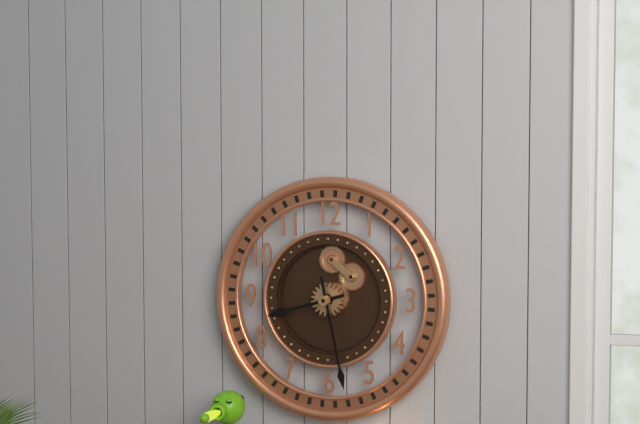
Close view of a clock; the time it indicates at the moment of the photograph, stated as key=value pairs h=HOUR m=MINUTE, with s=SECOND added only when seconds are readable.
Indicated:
h=8 m=28
